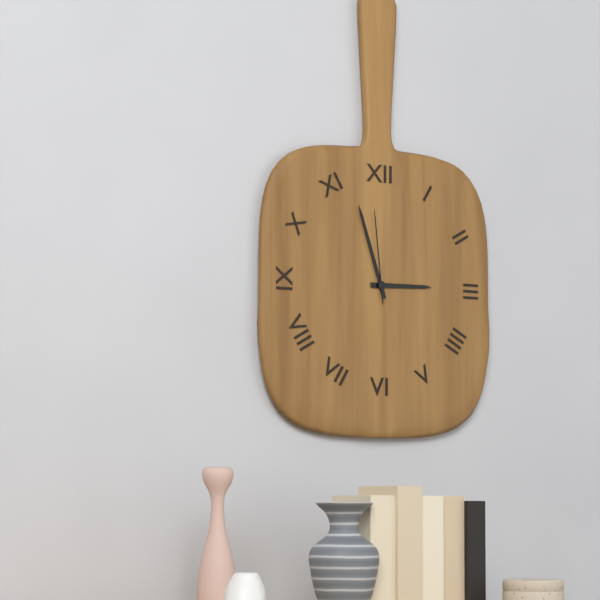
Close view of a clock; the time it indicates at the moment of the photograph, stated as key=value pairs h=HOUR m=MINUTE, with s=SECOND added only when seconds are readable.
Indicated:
h=2 m=57 s=59
